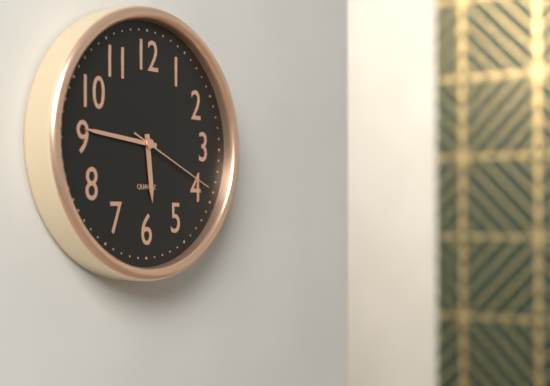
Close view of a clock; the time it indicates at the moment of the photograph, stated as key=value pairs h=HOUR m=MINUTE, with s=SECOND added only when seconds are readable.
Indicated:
h=5 m=46 s=19
